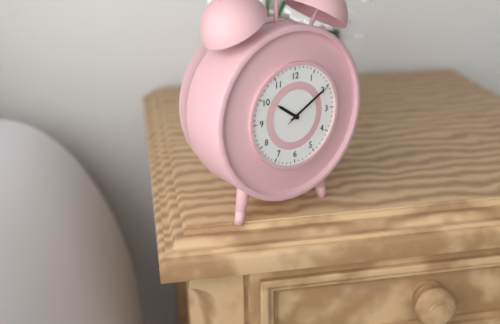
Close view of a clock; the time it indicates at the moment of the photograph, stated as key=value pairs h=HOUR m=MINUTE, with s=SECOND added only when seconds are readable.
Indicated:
h=10 m=10 s=10
